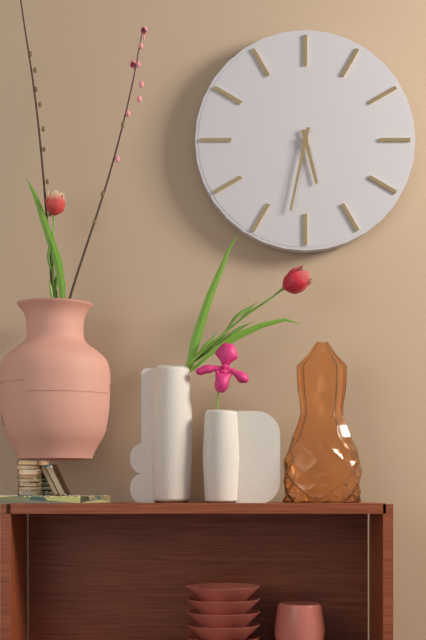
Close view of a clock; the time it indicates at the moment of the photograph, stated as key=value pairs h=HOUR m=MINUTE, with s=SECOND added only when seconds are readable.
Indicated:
h=5 m=32
